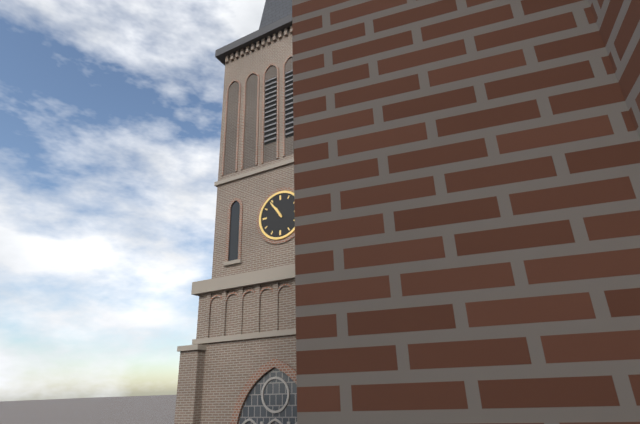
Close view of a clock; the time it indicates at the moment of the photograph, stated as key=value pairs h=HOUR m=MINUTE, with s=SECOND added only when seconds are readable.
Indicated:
h=10 m=54
